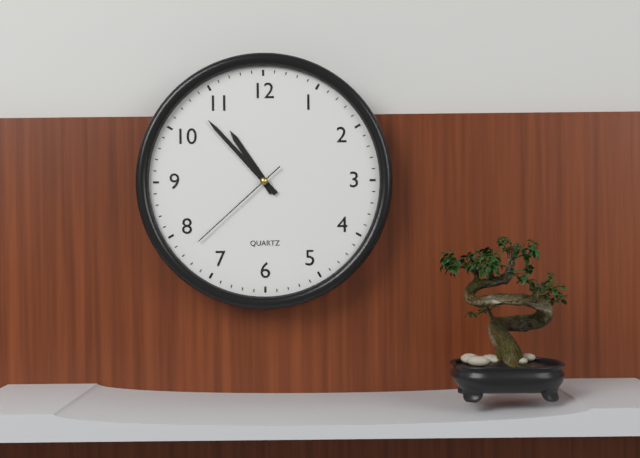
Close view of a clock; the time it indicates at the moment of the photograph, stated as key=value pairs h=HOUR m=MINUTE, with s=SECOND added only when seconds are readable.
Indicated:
h=10 m=53 s=38
